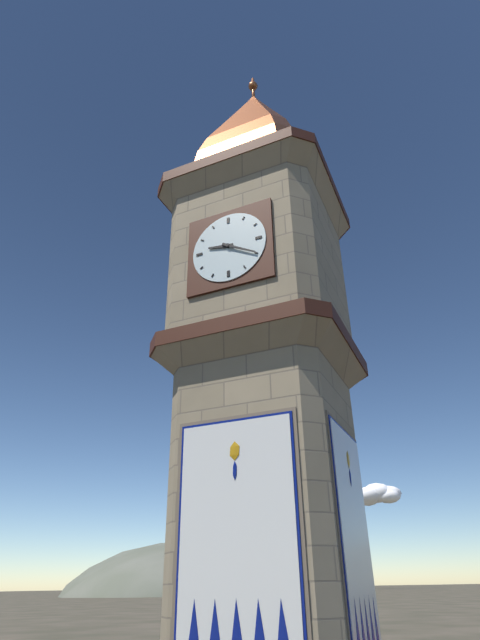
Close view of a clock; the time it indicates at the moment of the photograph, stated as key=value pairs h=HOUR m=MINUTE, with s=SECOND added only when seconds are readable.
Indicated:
h=9 m=20
